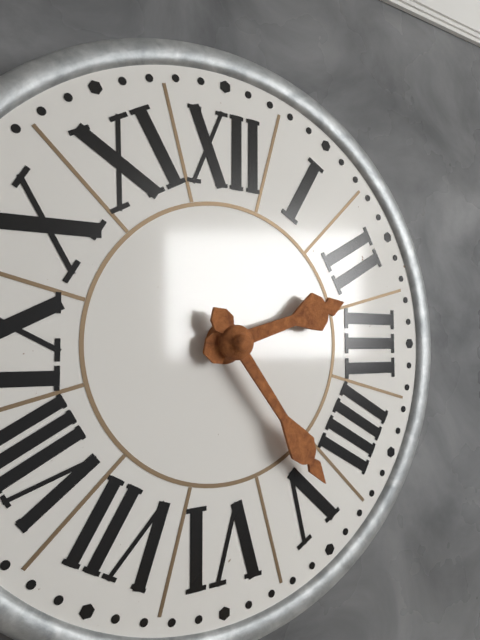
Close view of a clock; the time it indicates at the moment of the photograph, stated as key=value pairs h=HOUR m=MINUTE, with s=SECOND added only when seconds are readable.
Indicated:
h=2 m=24
